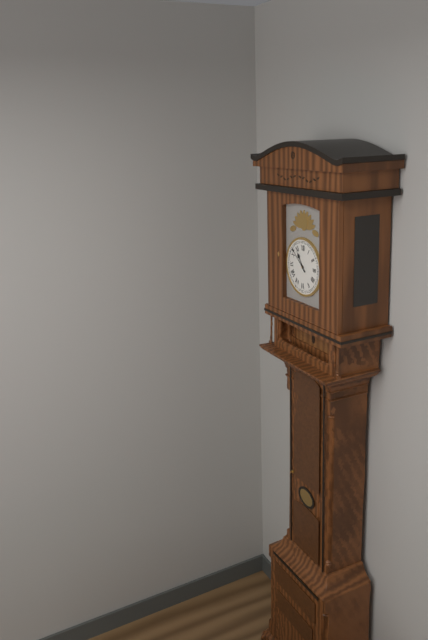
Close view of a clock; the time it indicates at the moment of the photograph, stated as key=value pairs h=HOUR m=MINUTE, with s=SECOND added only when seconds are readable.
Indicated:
h=10 m=52
